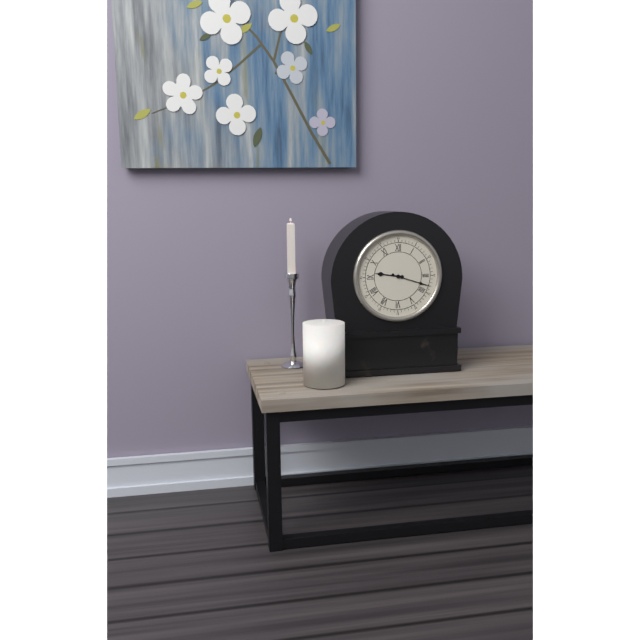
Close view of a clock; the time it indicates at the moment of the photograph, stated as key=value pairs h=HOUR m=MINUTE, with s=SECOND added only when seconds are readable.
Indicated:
h=9 m=18
